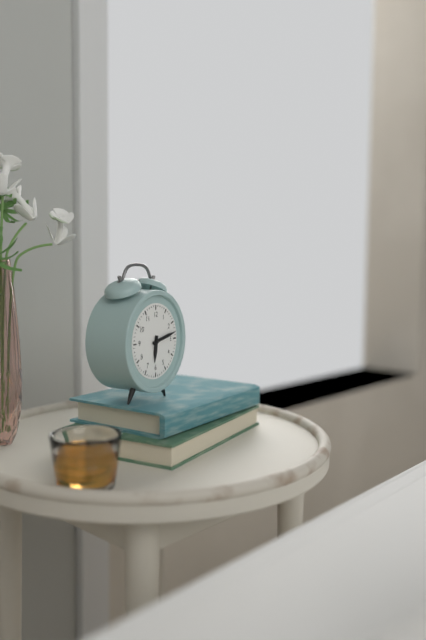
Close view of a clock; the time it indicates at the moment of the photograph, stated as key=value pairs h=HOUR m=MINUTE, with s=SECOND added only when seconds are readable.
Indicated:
h=6 m=13
